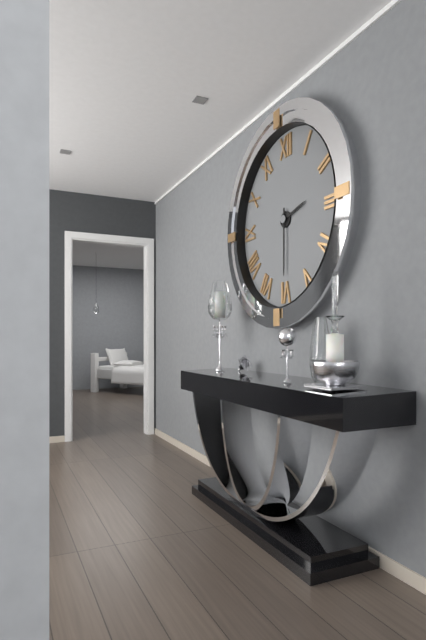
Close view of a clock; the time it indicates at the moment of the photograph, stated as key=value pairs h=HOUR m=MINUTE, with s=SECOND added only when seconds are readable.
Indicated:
h=2 m=30
